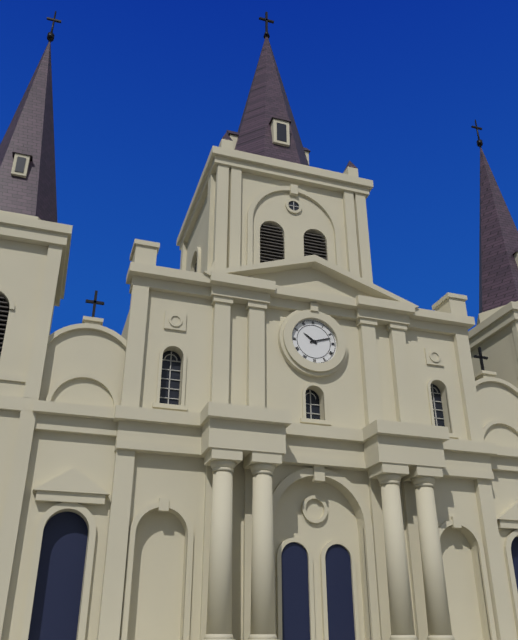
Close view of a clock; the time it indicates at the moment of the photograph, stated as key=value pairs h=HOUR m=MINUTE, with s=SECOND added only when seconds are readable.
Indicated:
h=10 m=12
